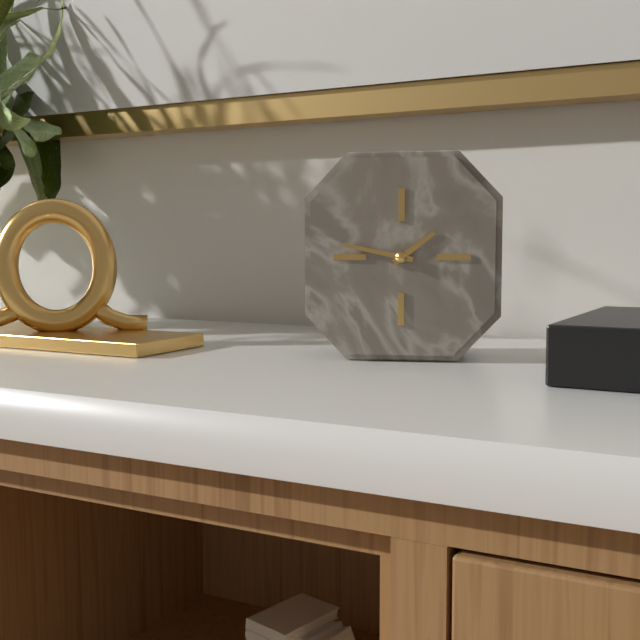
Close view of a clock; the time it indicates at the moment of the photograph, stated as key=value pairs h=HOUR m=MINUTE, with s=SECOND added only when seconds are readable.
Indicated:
h=1 m=47
